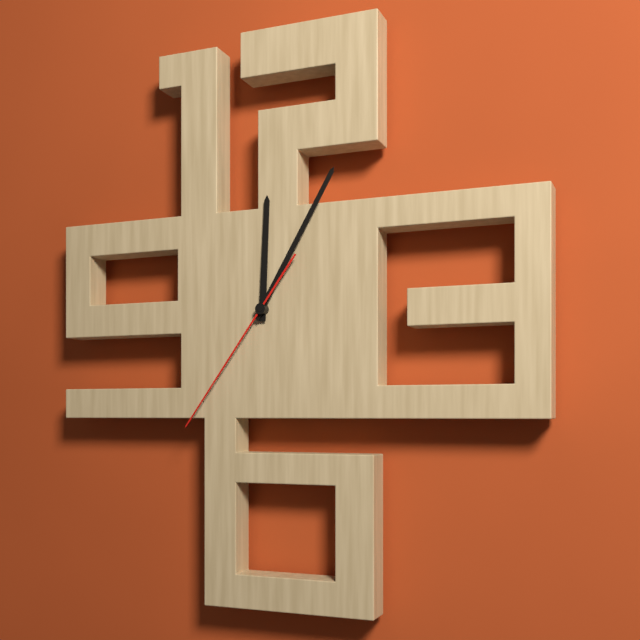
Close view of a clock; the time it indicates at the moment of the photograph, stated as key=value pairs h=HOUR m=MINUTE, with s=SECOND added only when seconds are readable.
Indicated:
h=12 m=5 s=36
